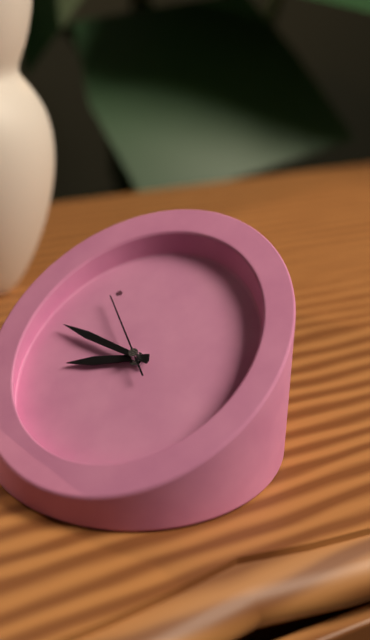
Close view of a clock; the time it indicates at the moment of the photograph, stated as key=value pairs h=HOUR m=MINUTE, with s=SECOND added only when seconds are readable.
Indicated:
h=11 m=0 s=6
